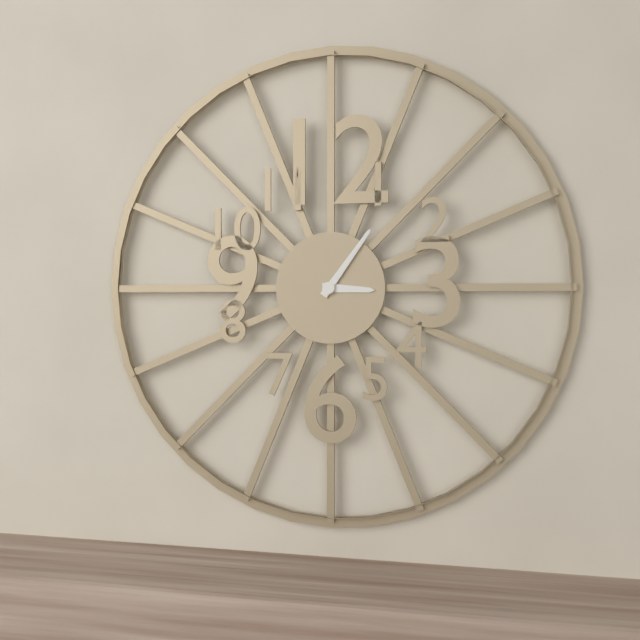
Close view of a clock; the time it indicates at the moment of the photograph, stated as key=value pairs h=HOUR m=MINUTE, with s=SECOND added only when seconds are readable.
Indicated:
h=3 m=6
